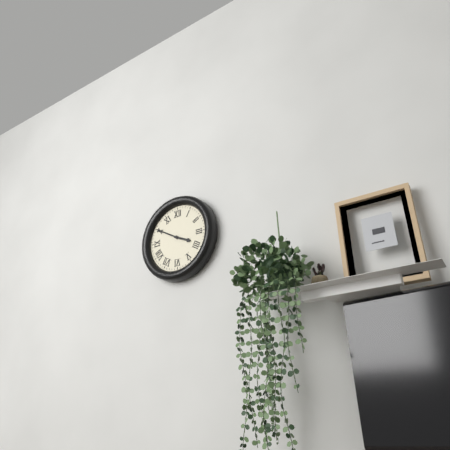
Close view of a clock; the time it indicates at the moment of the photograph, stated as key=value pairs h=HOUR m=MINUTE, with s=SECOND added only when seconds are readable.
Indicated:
h=3 m=50
